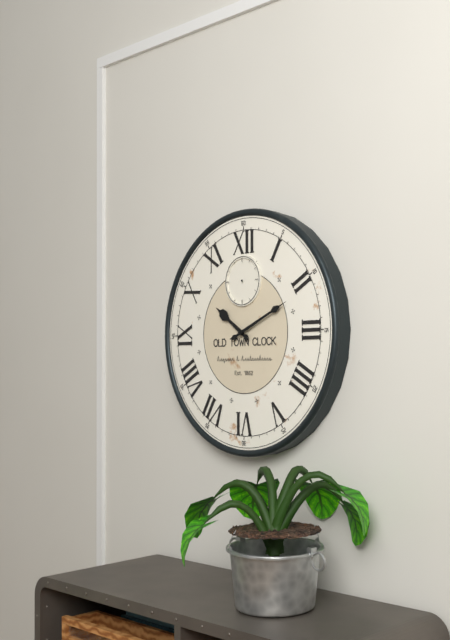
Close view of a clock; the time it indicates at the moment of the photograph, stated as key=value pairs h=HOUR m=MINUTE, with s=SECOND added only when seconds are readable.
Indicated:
h=10 m=11
